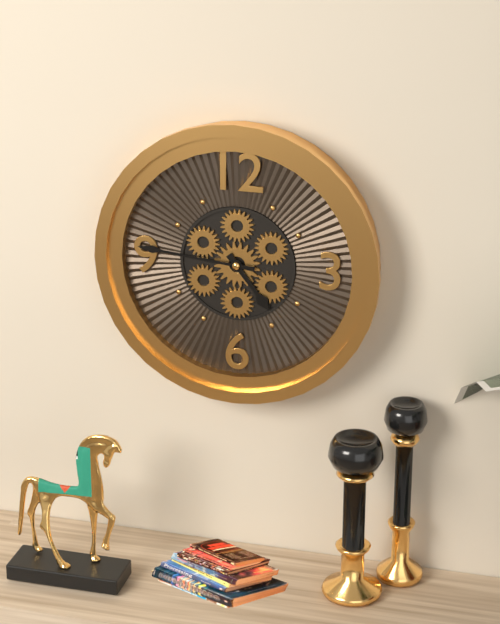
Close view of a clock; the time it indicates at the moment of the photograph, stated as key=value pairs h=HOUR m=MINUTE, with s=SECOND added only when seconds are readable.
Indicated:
h=4 m=46
